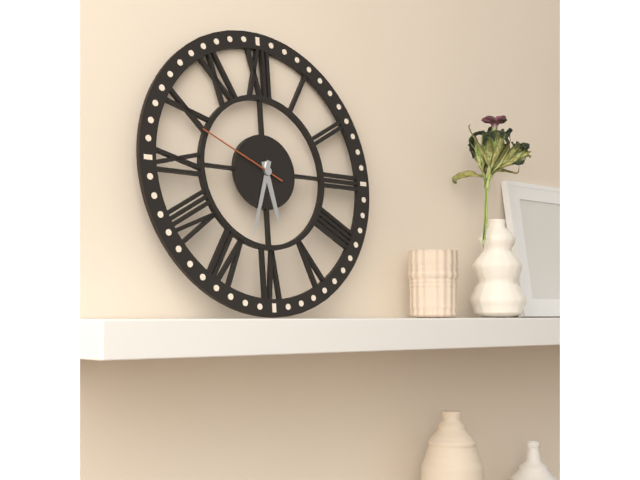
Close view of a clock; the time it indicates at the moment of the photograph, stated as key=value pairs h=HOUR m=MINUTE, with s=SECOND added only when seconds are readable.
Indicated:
h=5 m=33 s=49
